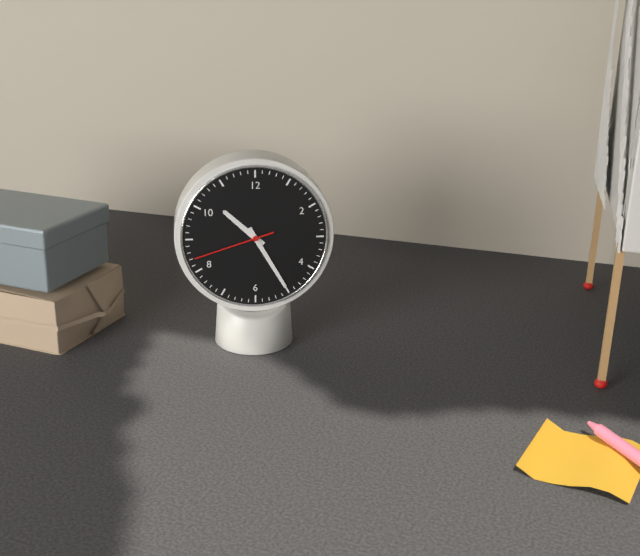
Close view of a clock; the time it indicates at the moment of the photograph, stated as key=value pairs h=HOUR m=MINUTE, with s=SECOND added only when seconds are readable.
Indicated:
h=10 m=25 s=42
